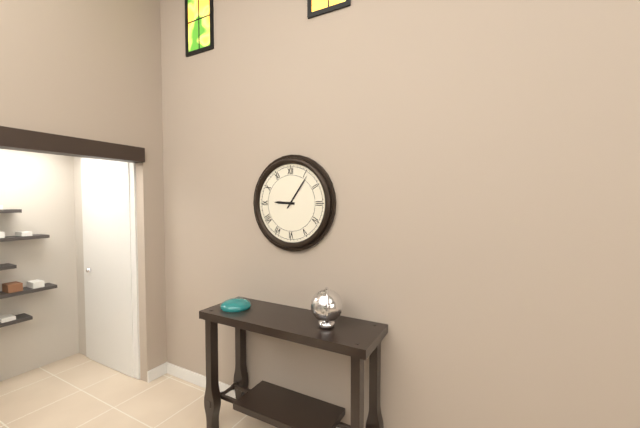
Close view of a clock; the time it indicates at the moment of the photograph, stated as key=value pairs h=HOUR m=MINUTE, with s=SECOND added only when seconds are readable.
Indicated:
h=9 m=6
